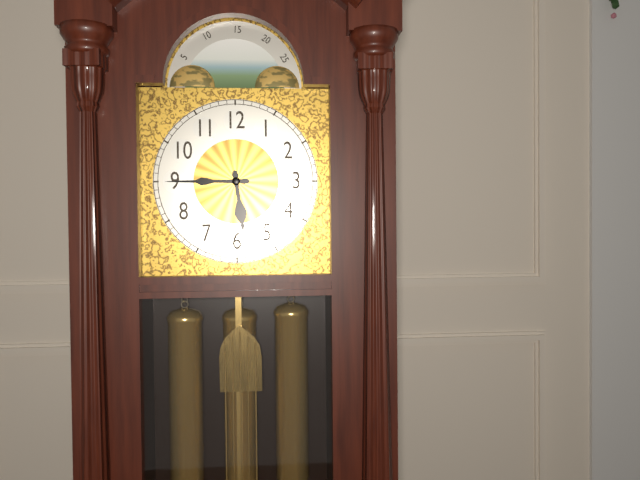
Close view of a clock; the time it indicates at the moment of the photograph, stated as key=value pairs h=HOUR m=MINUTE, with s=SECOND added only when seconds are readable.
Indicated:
h=5 m=45
